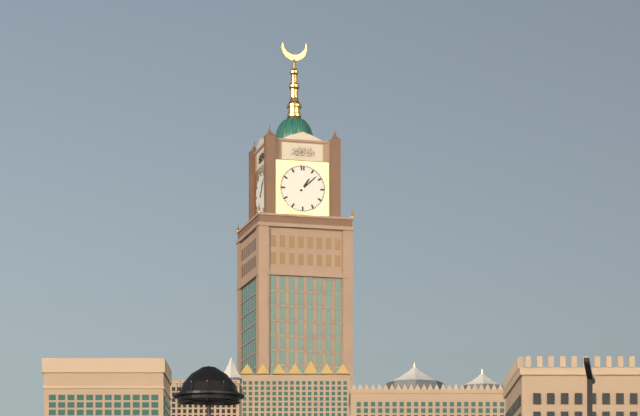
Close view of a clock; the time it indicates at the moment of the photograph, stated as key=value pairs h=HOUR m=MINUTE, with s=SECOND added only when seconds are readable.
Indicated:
h=1 m=8
